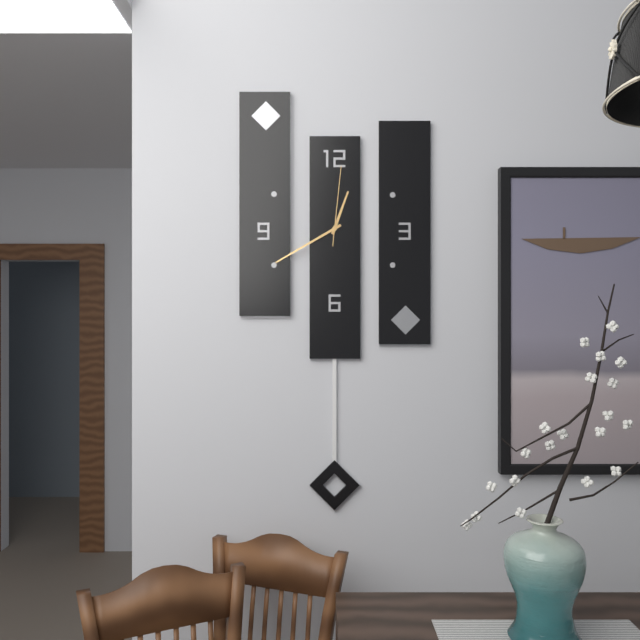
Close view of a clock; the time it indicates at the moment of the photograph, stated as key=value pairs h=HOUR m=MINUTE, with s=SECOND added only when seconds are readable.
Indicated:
h=12 m=40 s=1
